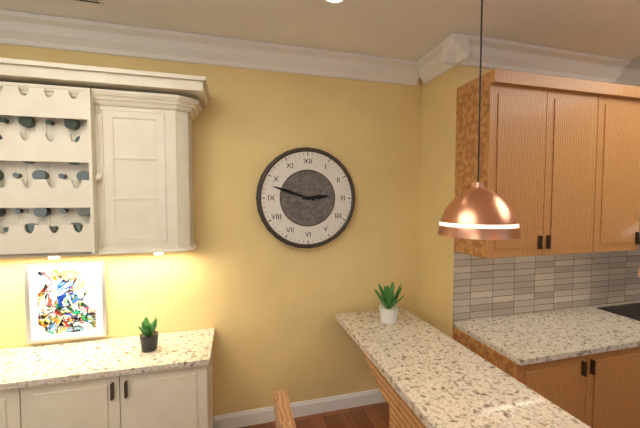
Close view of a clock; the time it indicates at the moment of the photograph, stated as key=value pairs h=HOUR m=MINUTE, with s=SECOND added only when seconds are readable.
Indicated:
h=2 m=48
